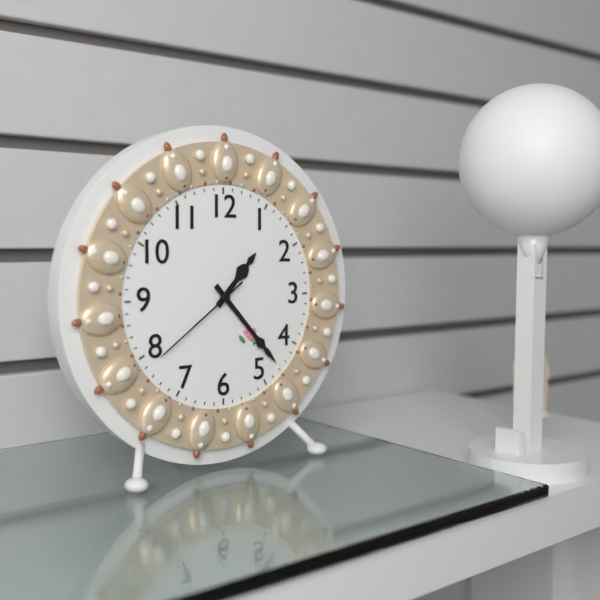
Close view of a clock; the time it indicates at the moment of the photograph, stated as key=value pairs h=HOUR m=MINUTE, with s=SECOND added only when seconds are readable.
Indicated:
h=1 m=23 s=39
